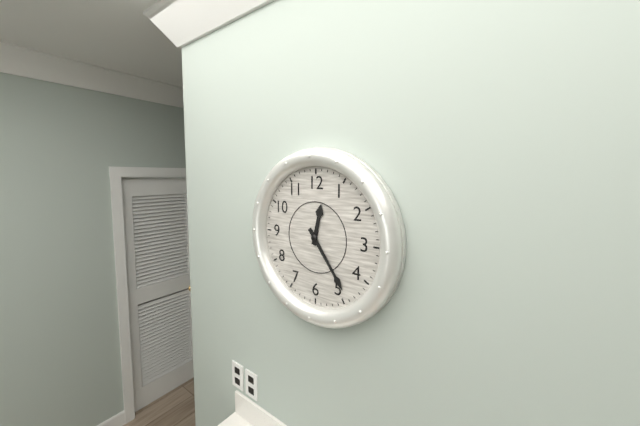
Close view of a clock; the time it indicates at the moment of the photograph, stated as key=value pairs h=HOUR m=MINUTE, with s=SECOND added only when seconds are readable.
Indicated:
h=12 m=24
